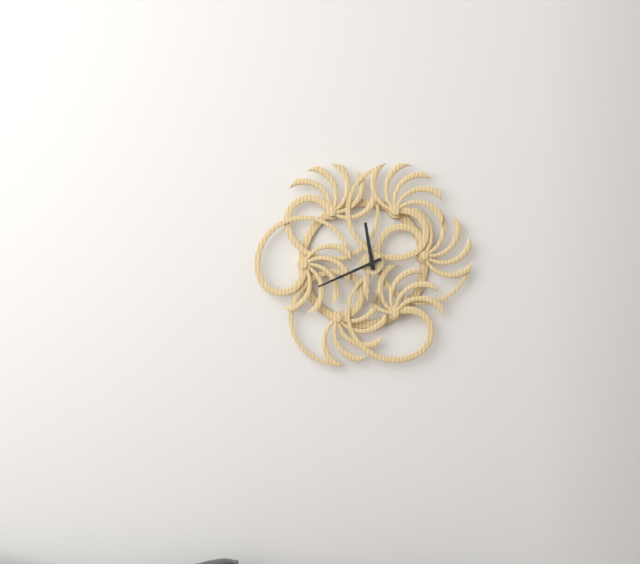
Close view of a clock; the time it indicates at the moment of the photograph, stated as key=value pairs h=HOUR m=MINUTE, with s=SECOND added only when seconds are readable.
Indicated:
h=11 m=41
